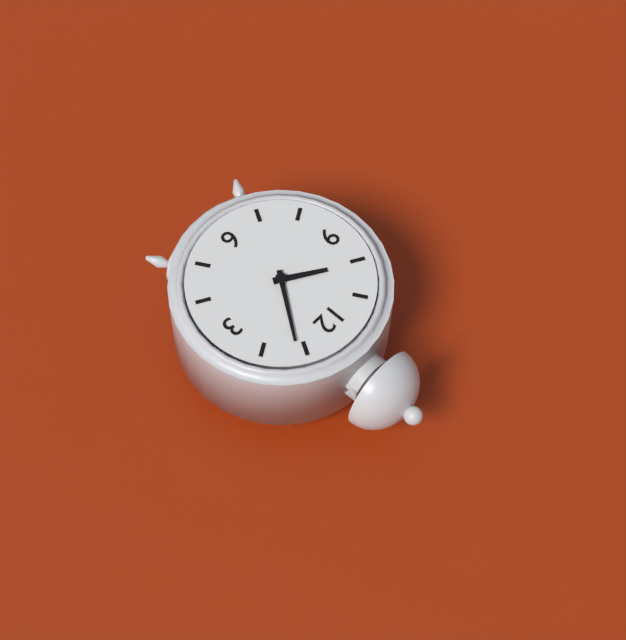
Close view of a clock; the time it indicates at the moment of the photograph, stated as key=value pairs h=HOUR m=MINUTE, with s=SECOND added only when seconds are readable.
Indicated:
h=10 m=6
